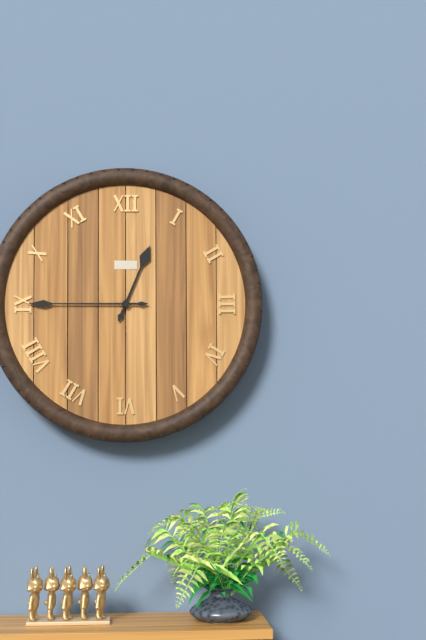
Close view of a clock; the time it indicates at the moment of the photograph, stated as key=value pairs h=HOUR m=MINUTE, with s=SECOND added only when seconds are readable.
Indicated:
h=12 m=45
